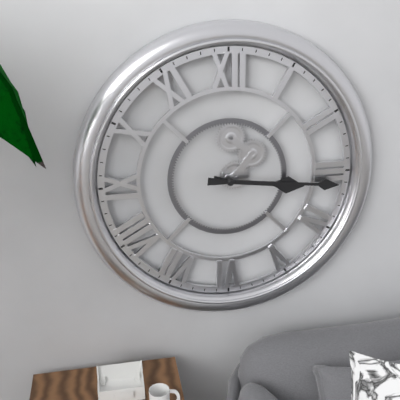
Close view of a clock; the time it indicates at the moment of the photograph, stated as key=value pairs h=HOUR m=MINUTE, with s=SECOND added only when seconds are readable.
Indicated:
h=3 m=16
